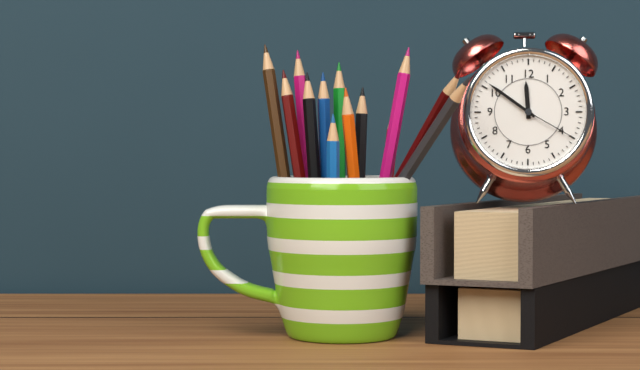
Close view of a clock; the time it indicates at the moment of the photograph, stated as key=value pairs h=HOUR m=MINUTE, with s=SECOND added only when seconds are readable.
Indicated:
h=11 m=51 s=20
